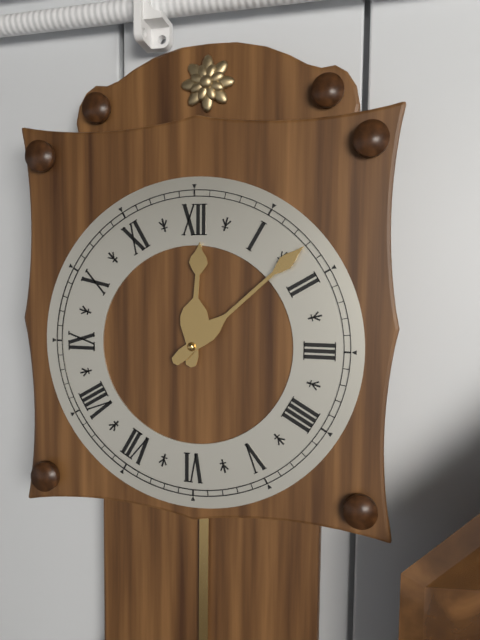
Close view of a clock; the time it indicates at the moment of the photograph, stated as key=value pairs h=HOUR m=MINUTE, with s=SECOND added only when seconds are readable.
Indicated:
h=12 m=8
